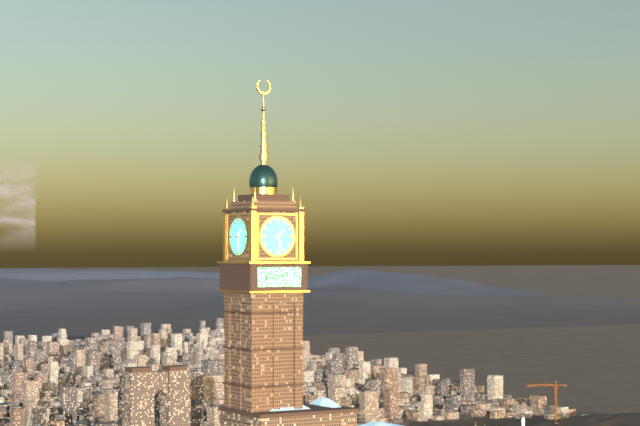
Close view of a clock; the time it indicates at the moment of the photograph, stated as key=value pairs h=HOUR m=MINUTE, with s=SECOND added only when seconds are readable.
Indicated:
h=1 m=28
